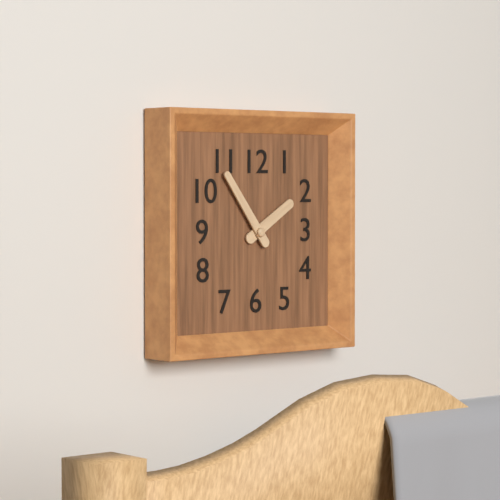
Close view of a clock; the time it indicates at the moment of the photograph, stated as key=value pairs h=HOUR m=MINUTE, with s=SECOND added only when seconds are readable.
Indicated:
h=1 m=54
